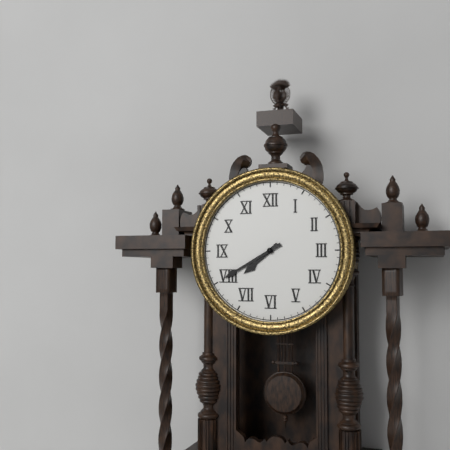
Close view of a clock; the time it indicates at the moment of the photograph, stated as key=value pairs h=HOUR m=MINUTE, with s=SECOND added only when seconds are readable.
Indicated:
h=7 m=40
